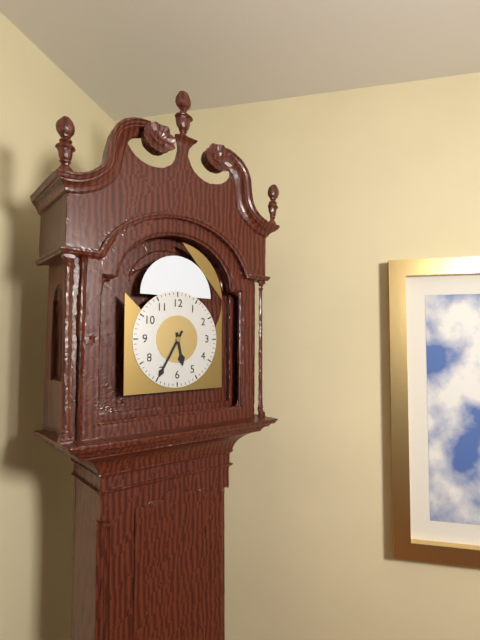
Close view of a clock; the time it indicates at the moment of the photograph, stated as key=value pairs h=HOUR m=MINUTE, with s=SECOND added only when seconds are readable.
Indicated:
h=5 m=35
